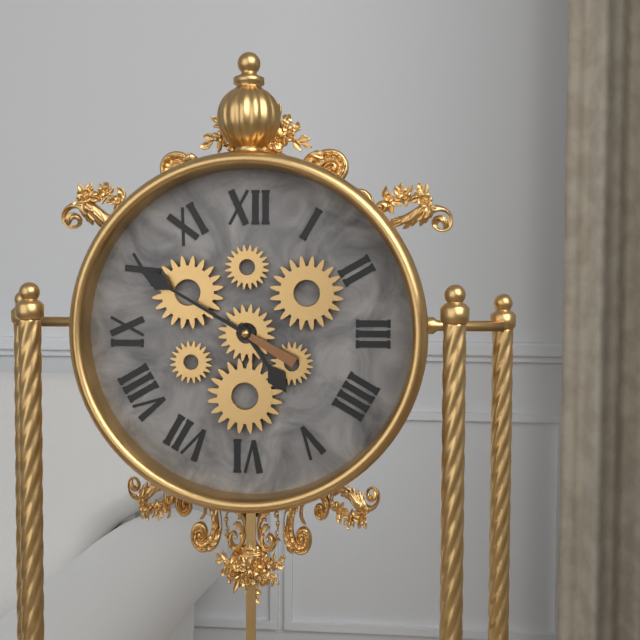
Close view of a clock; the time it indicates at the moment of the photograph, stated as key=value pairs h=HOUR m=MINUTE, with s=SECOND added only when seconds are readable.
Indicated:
h=4 m=50
